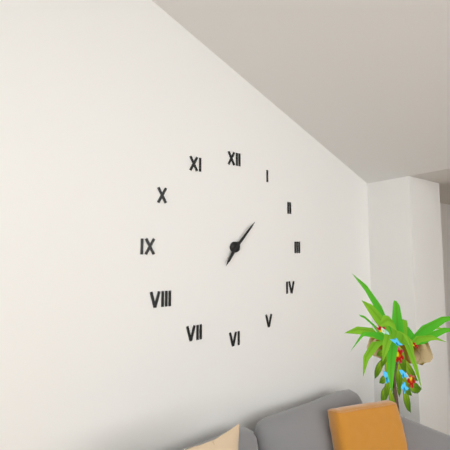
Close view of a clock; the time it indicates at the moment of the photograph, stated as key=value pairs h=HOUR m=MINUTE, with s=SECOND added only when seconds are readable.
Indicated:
h=7 m=7
